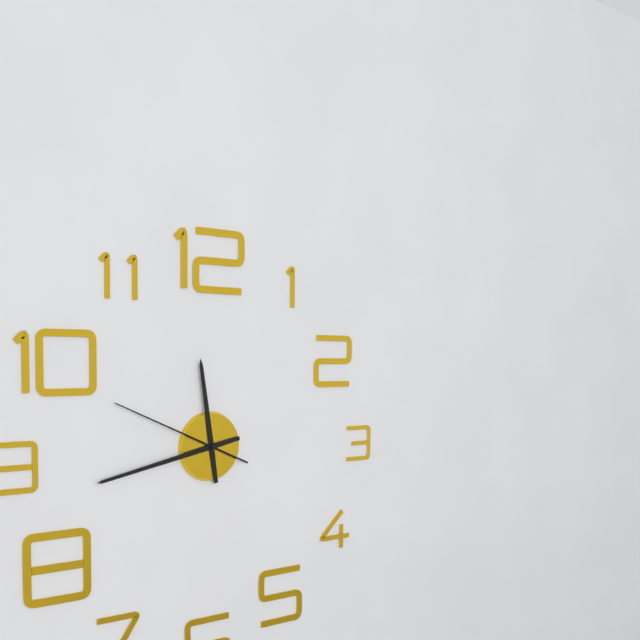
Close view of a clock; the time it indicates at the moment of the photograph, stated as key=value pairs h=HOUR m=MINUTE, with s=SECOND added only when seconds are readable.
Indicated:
h=11 m=43 s=49
